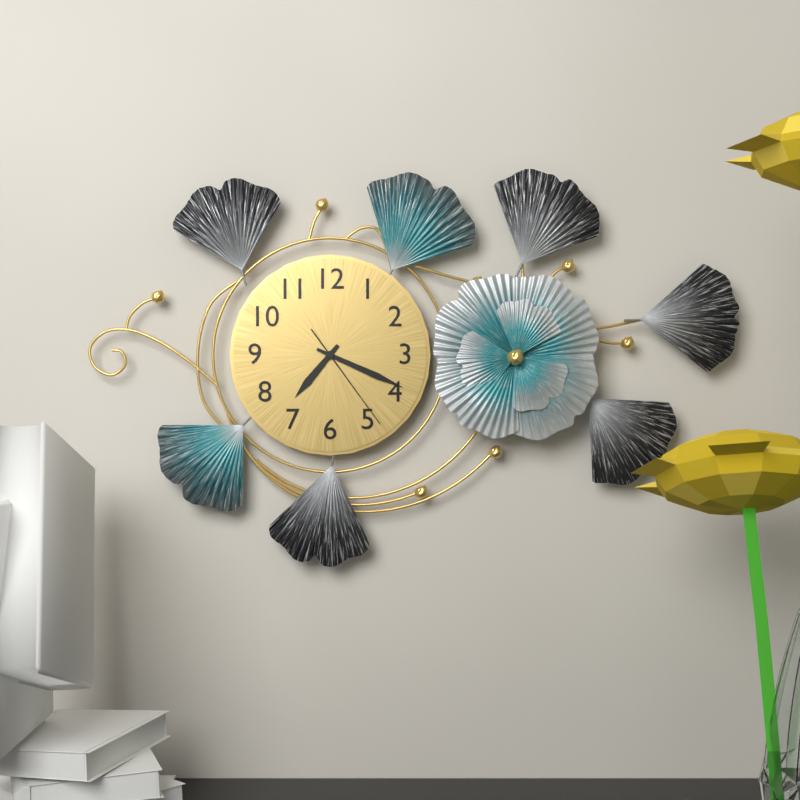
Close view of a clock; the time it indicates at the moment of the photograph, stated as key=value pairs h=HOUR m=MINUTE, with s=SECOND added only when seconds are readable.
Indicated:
h=7 m=19 s=24
